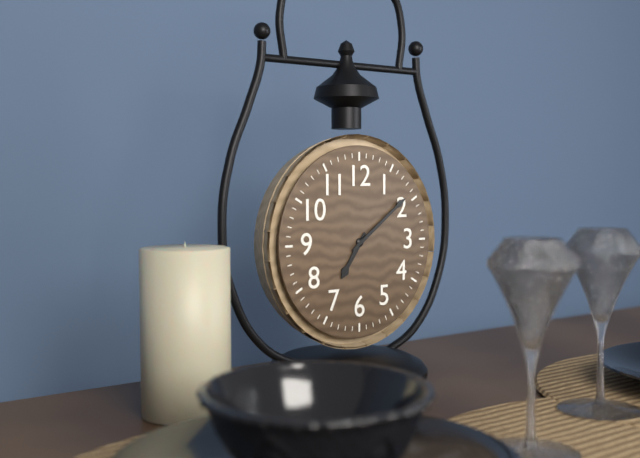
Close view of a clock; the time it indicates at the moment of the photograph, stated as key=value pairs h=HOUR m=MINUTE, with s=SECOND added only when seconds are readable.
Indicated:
h=7 m=9
